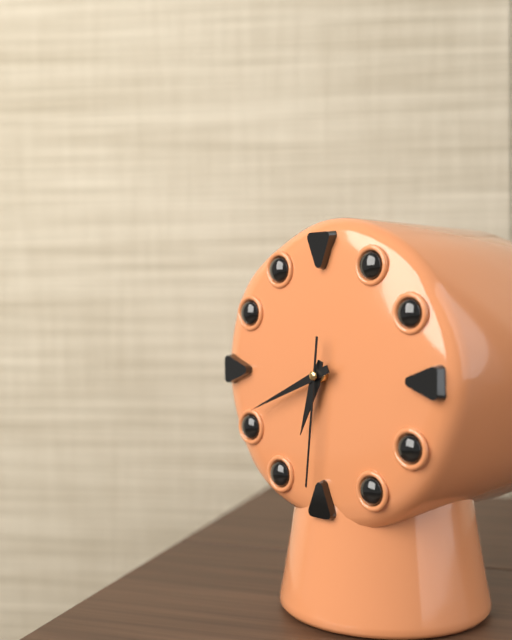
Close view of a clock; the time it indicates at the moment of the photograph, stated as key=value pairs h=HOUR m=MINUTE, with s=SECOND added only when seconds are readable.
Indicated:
h=6 m=41 s=31
